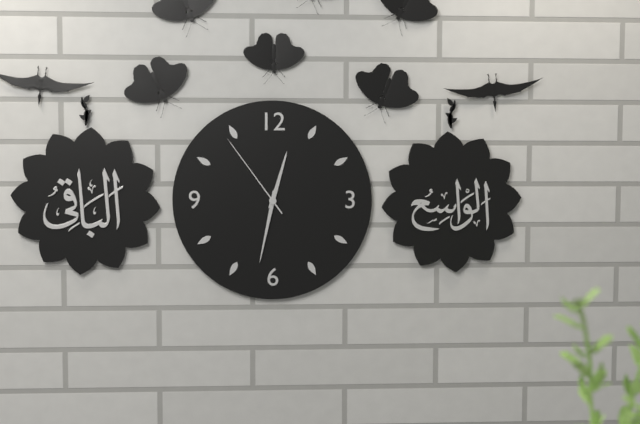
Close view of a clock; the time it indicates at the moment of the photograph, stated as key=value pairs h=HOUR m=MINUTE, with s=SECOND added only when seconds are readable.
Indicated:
h=12 m=32 s=54
